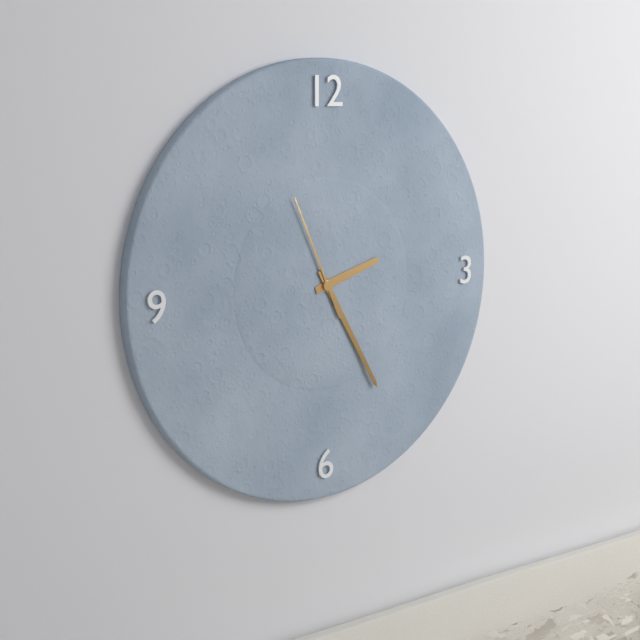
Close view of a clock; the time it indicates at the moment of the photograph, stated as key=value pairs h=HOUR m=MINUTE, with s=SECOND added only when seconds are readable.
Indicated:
h=2 m=25 s=56
